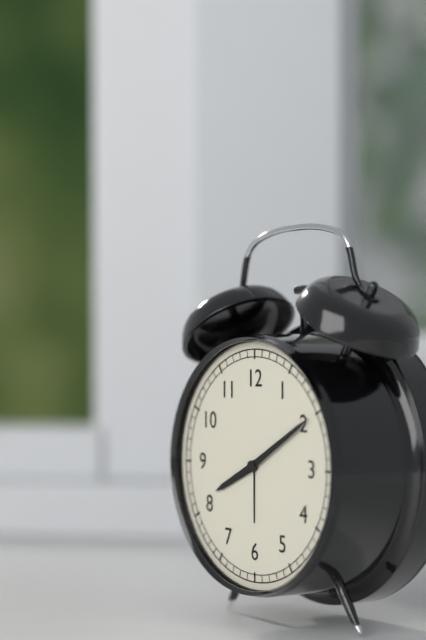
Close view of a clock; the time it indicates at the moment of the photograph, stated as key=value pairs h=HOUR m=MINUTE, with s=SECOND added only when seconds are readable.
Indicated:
h=8 m=10
